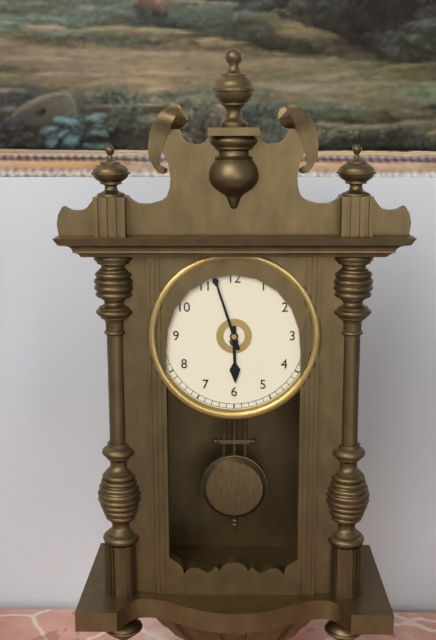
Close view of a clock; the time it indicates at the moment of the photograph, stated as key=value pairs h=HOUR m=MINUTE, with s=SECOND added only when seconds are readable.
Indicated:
h=5 m=57
